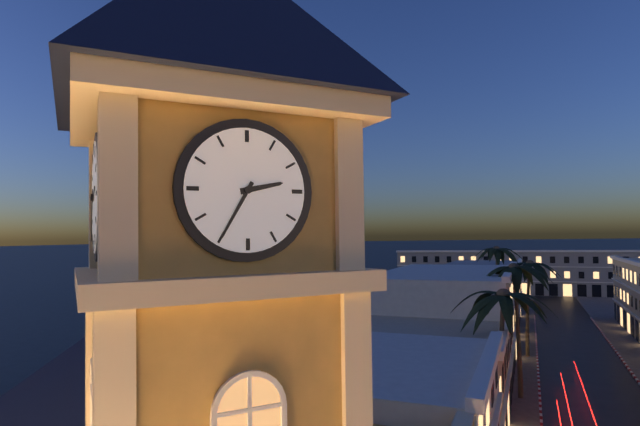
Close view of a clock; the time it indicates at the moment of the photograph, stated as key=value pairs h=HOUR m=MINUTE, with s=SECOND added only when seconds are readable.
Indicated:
h=2 m=35
